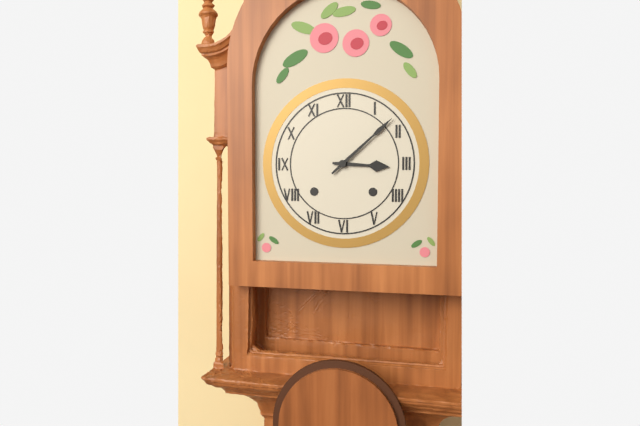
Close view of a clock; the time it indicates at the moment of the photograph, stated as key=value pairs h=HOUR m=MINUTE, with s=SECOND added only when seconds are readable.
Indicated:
h=3 m=8
